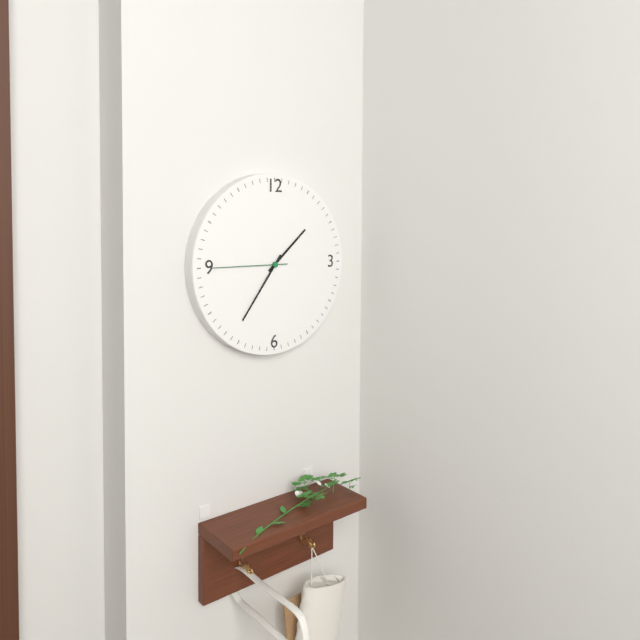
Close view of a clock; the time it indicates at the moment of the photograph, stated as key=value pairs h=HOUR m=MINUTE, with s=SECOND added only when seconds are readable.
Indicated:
h=1 m=36 s=45
